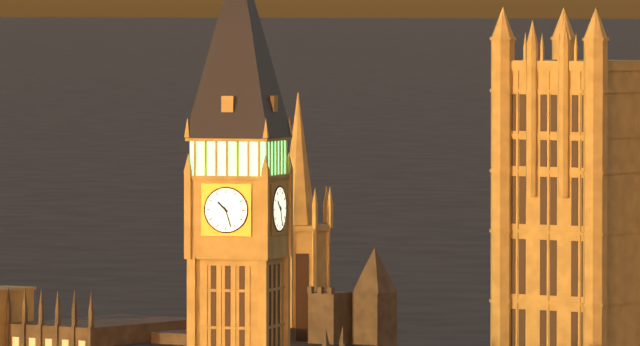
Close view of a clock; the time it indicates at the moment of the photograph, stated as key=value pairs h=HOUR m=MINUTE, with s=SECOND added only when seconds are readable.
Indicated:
h=10 m=27
